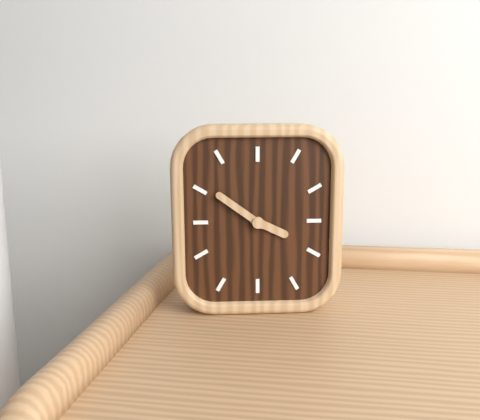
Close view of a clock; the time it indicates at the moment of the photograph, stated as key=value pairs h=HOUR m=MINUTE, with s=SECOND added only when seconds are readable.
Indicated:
h=3 m=51
